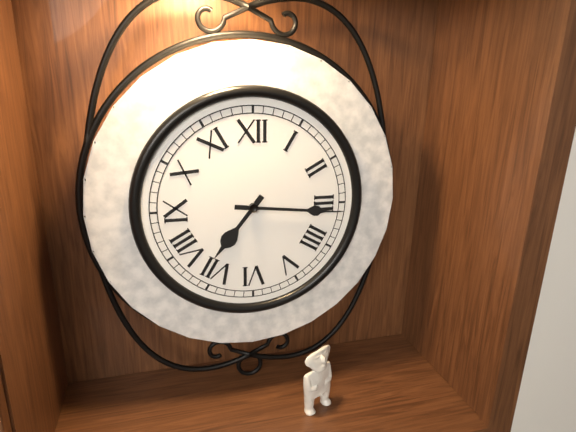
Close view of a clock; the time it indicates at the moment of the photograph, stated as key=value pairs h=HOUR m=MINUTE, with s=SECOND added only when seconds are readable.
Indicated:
h=7 m=16
